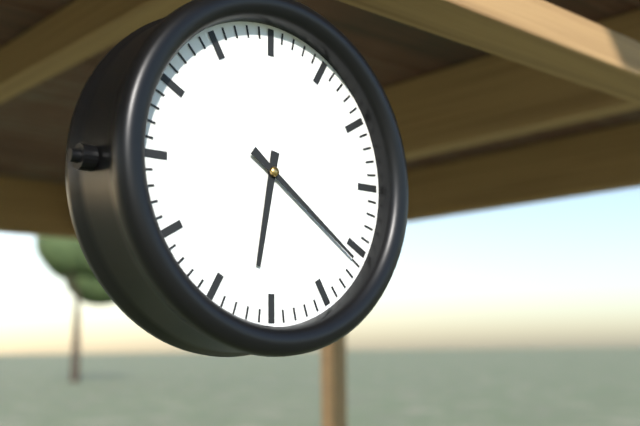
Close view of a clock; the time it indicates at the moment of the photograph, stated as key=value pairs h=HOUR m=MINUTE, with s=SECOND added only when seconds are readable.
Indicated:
h=6 m=21
